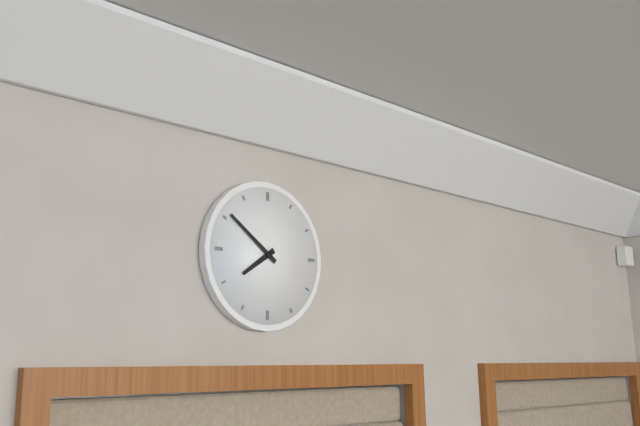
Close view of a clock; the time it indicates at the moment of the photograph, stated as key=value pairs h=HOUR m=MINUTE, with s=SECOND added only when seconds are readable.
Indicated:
h=7 m=51
